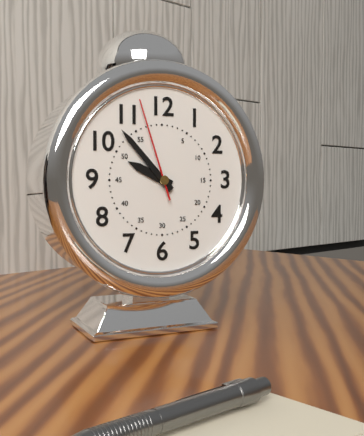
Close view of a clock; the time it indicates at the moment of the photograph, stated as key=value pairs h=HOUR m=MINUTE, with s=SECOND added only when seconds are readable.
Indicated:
h=9 m=53 s=57
